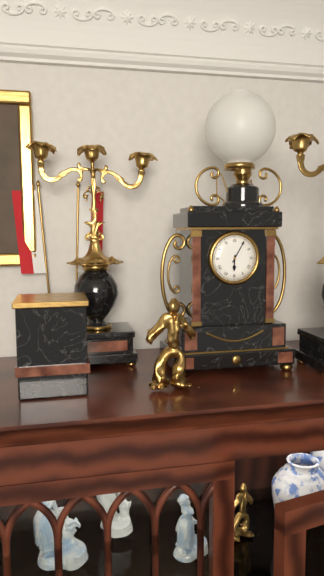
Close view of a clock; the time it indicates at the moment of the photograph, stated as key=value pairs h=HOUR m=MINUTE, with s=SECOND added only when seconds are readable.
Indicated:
h=6 m=5
